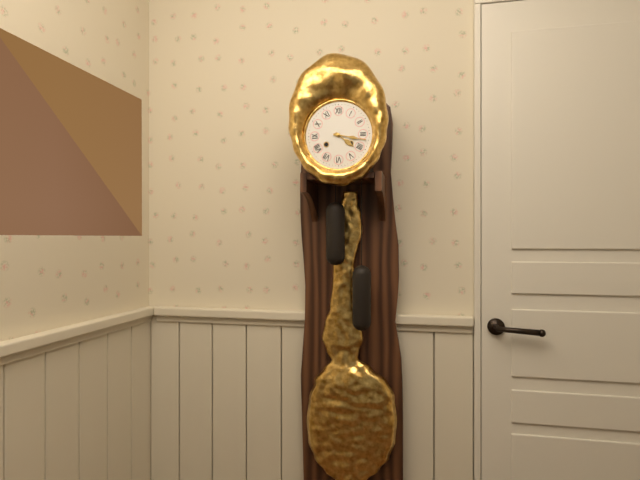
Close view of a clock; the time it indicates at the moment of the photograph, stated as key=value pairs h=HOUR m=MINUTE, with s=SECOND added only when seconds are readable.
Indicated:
h=4 m=17
